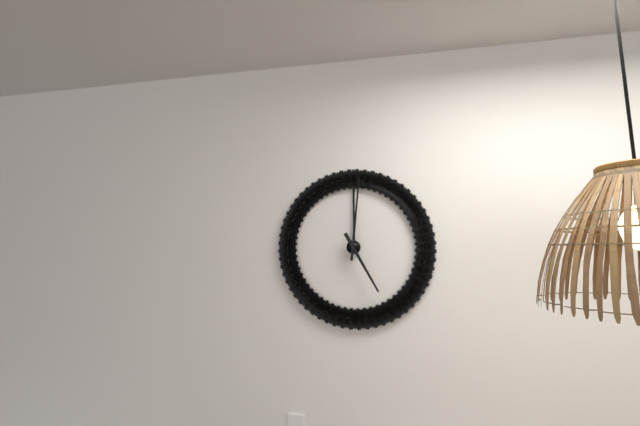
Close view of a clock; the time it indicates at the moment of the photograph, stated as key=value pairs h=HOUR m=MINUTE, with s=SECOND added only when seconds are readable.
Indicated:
h=5 m=1
